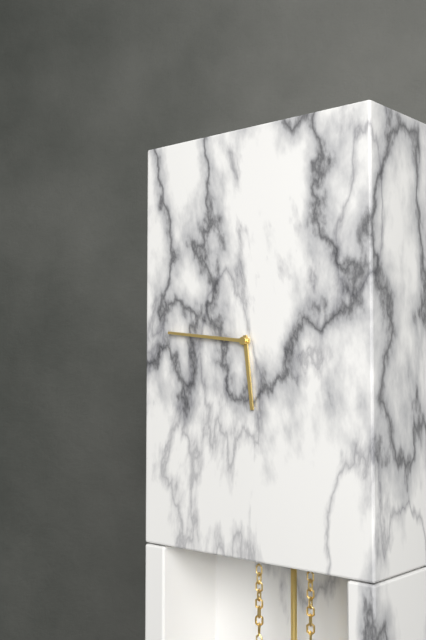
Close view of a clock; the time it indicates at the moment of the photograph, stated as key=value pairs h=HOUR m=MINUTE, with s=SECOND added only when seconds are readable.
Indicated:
h=5 m=46
